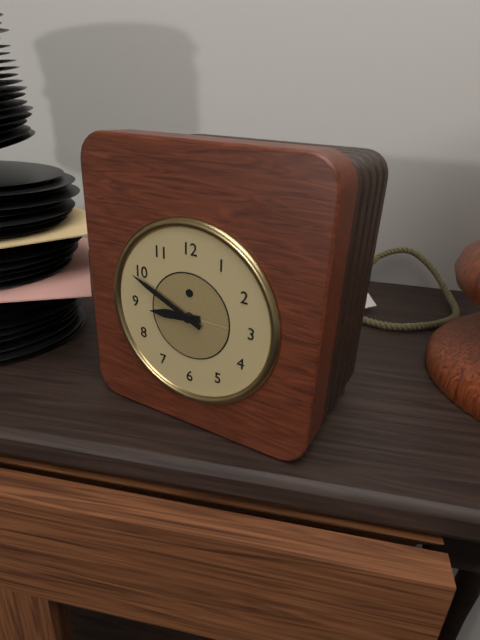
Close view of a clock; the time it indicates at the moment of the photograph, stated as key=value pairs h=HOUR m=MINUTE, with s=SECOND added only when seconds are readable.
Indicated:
h=8 m=49
